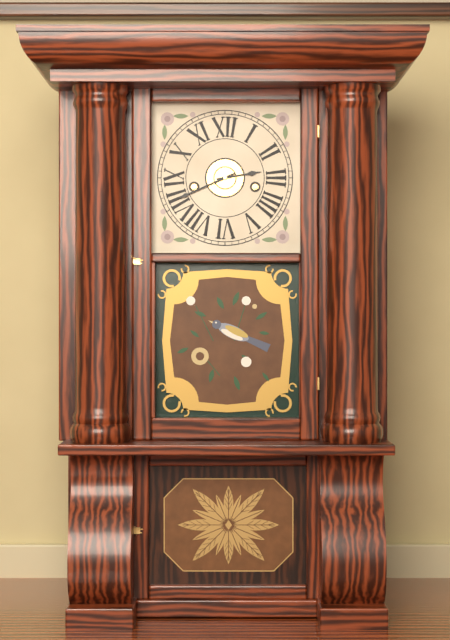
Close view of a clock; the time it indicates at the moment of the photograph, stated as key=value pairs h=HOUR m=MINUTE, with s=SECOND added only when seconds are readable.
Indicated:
h=2 m=41
